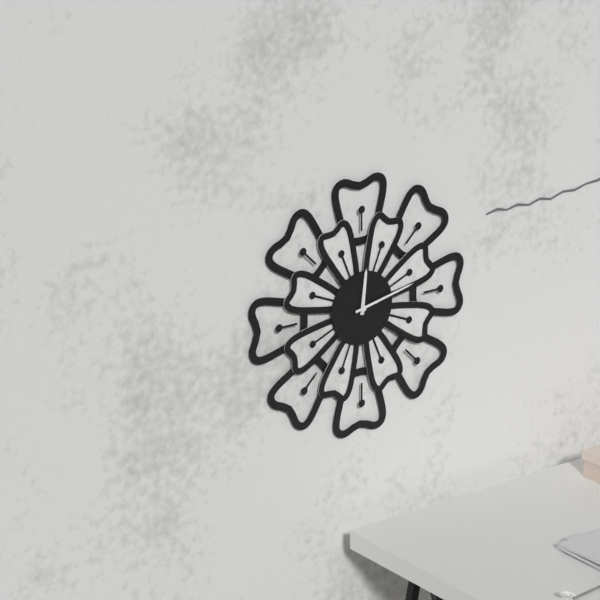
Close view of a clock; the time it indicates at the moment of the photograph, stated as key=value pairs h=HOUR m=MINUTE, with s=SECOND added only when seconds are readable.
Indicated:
h=12 m=13
